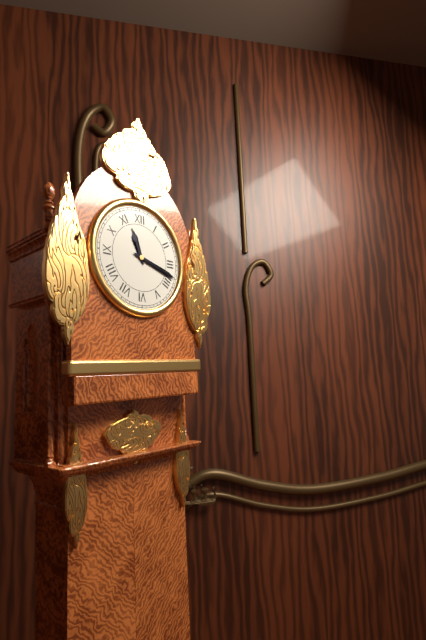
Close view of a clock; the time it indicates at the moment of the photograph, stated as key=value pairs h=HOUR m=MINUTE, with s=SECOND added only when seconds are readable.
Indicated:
h=11 m=18
